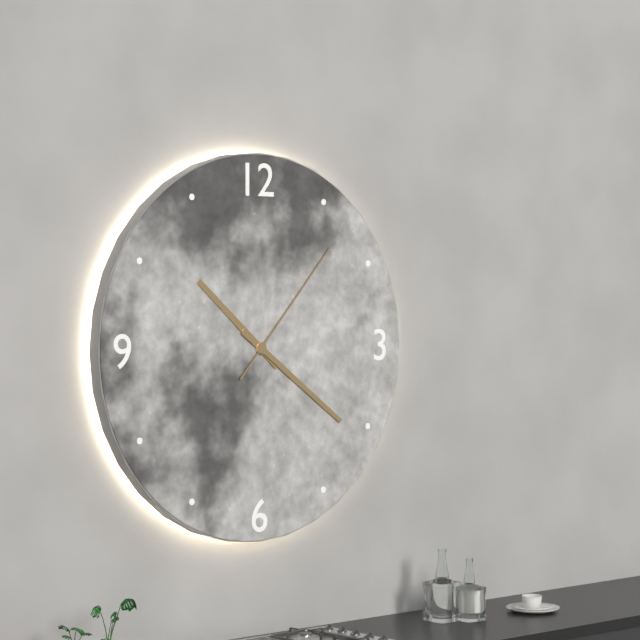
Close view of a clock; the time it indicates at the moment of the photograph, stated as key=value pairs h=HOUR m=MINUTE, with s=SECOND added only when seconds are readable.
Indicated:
h=10 m=21 s=7
